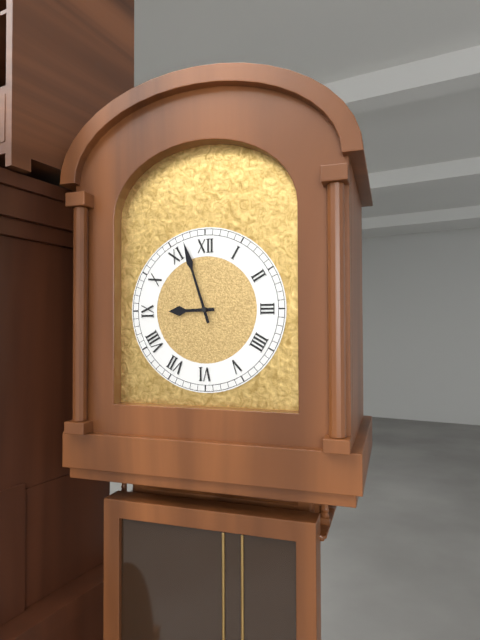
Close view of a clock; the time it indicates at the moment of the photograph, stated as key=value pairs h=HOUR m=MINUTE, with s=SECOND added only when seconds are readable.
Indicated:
h=8 m=57
